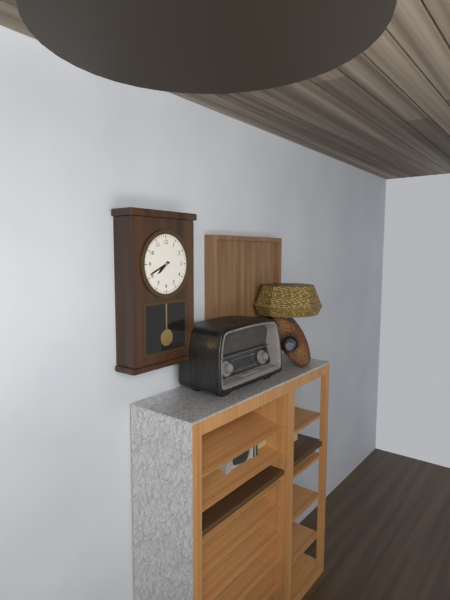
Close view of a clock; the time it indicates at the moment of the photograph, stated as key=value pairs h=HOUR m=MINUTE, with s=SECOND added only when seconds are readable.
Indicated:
h=7 m=41
